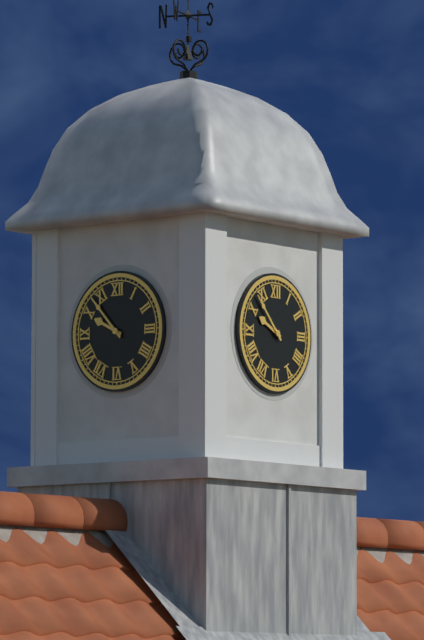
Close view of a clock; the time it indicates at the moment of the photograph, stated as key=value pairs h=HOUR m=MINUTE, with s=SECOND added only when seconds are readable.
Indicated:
h=9 m=53
